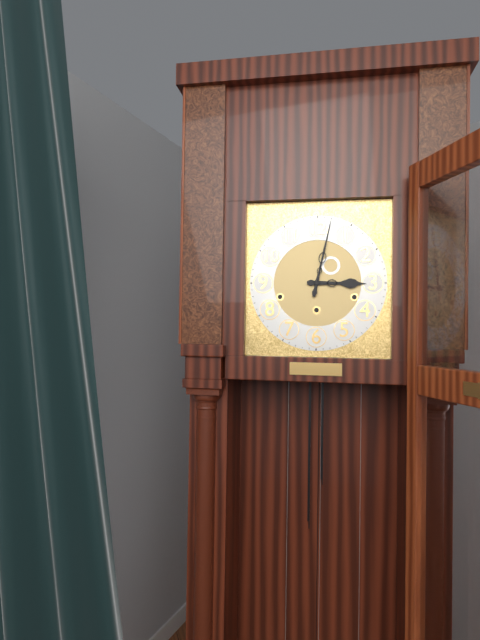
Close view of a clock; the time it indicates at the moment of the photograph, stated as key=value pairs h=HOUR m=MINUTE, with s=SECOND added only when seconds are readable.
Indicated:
h=3 m=2
